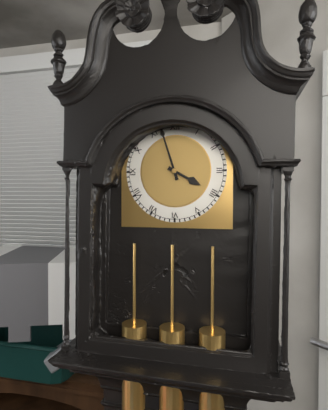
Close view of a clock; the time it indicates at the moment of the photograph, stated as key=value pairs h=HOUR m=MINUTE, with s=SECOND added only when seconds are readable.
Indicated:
h=3 m=57
